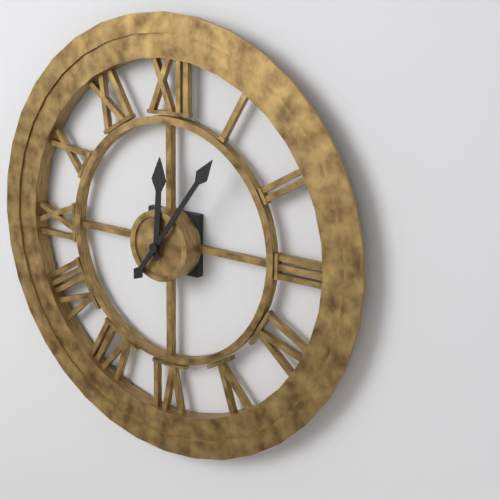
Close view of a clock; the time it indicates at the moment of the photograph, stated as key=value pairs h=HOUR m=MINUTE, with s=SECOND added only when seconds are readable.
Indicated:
h=12 m=6
